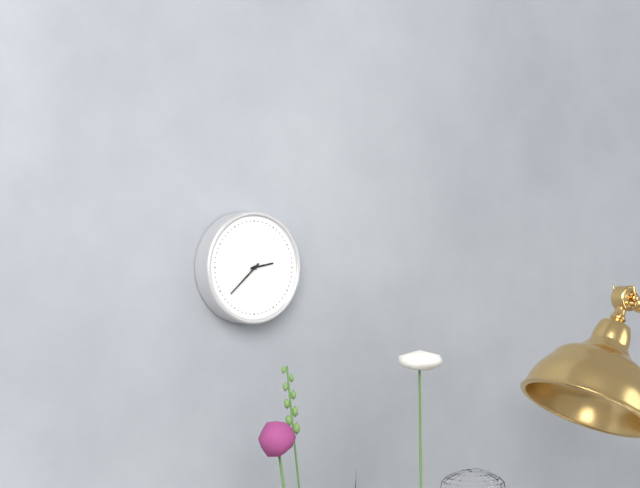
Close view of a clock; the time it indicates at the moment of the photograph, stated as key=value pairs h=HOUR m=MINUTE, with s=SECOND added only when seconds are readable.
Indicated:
h=2 m=38
